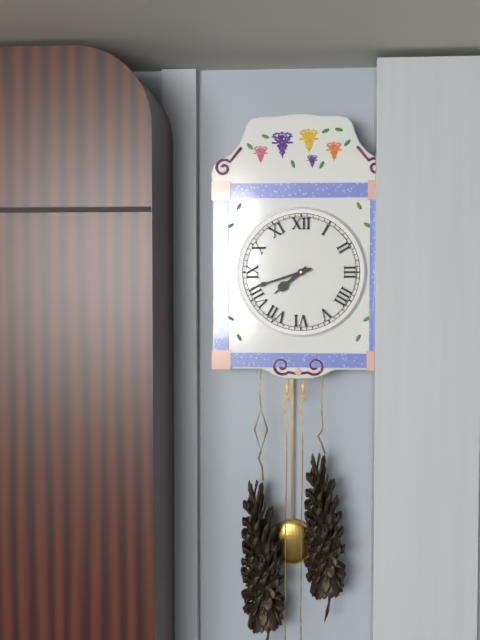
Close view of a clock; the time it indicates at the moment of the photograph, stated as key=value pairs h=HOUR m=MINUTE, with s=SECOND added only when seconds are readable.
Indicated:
h=7 m=42
